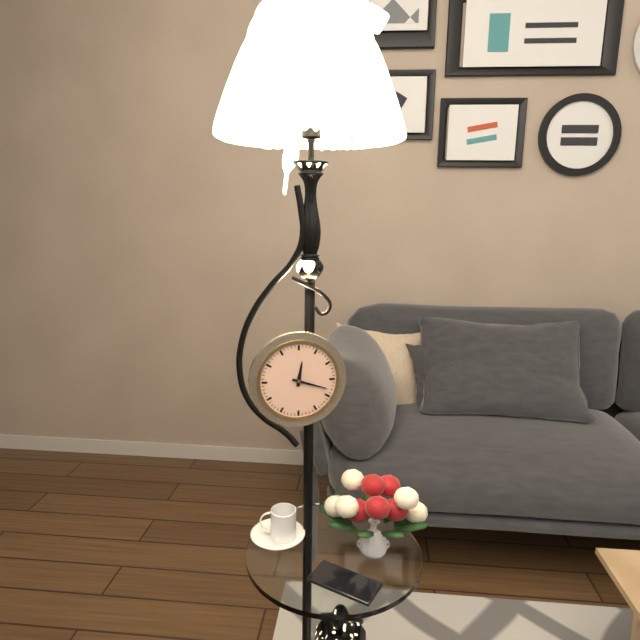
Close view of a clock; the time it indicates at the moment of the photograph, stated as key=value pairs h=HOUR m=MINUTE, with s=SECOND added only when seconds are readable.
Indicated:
h=12 m=18
